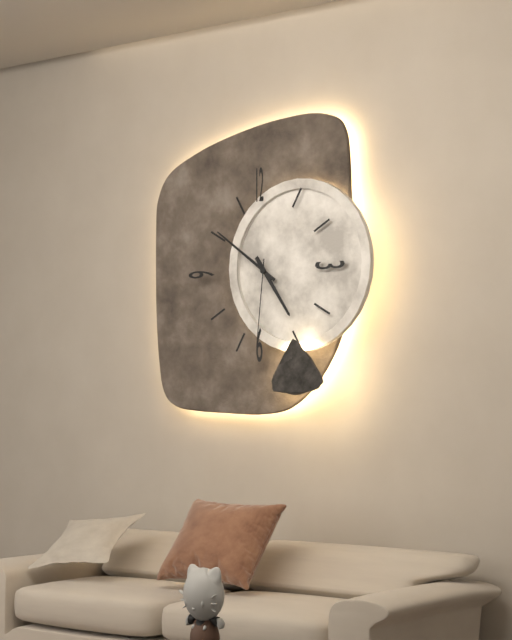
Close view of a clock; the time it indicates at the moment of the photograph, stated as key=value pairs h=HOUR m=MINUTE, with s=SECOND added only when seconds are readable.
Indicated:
h=4 m=51 s=31
